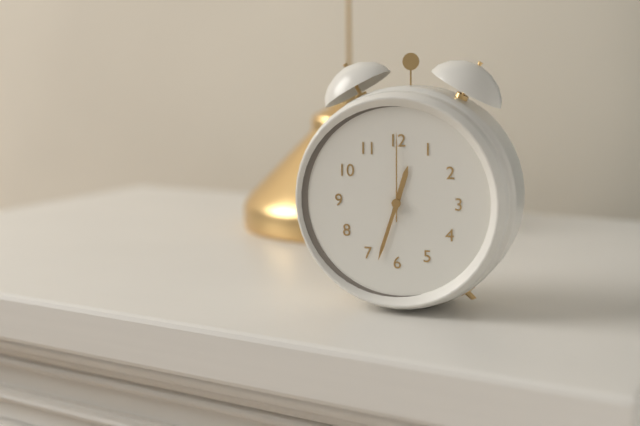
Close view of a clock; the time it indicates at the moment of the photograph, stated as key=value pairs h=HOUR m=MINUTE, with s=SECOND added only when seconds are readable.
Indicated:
h=12 m=33 s=0
